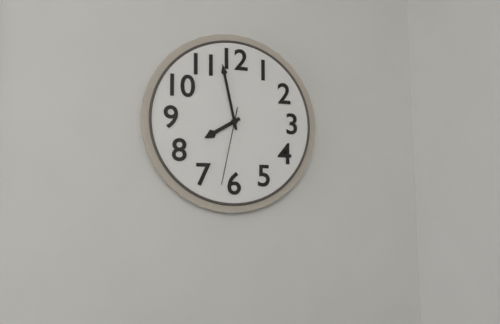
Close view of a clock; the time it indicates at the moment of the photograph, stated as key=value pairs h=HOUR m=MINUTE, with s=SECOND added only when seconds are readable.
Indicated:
h=7 m=58 s=32
